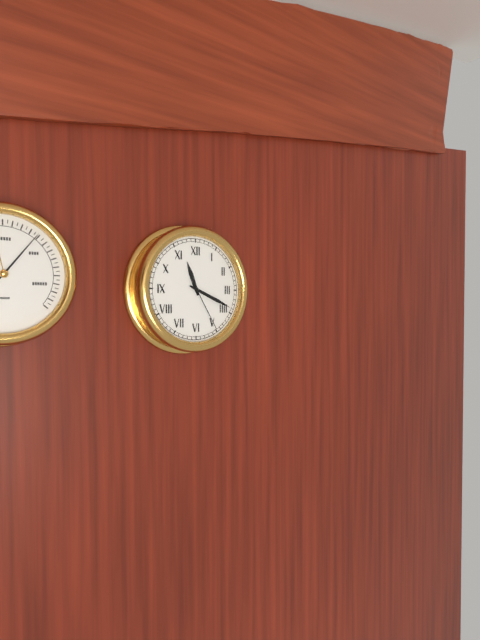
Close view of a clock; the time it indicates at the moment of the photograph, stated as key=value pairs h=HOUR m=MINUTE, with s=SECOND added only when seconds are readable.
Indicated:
h=11 m=19 s=25
